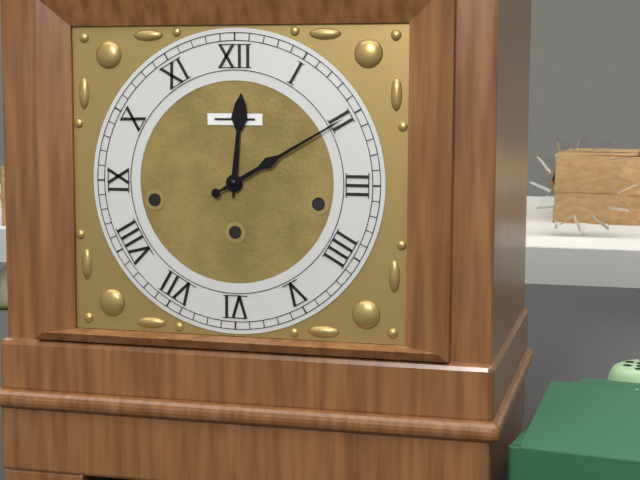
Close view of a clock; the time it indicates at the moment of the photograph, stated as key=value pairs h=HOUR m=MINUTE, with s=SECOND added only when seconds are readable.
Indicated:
h=12 m=10
